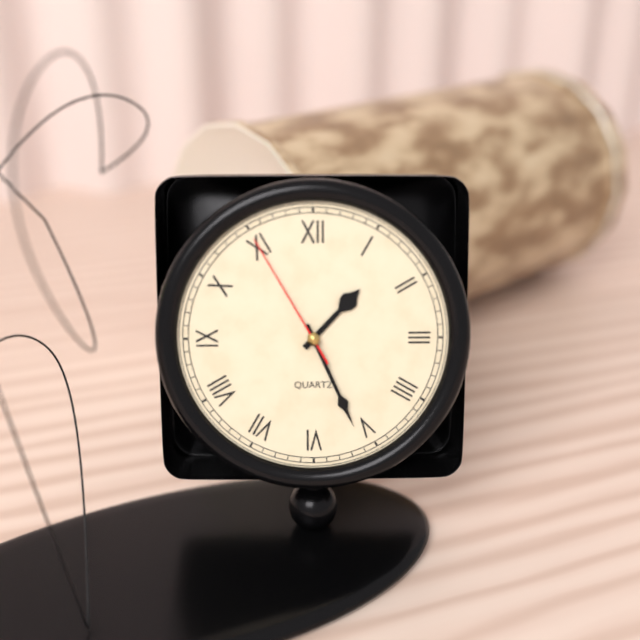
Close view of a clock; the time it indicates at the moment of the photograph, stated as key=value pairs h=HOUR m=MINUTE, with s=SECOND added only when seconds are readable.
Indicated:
h=1 m=26 s=55
